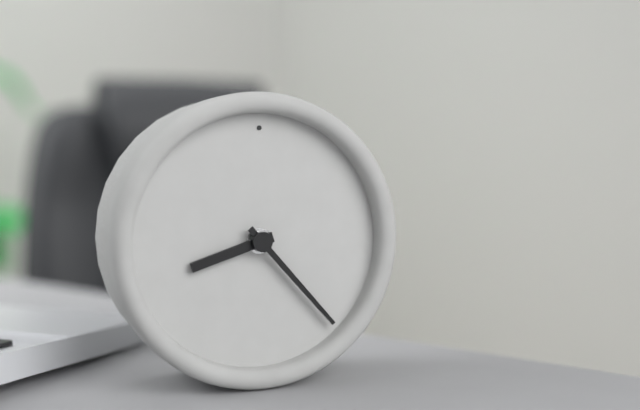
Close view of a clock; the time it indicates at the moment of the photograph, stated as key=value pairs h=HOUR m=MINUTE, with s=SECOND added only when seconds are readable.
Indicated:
h=8 m=23
